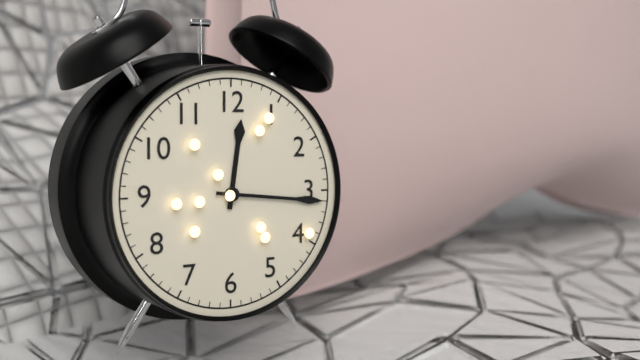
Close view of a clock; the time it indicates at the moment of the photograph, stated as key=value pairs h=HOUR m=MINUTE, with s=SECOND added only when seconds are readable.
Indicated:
h=12 m=16
